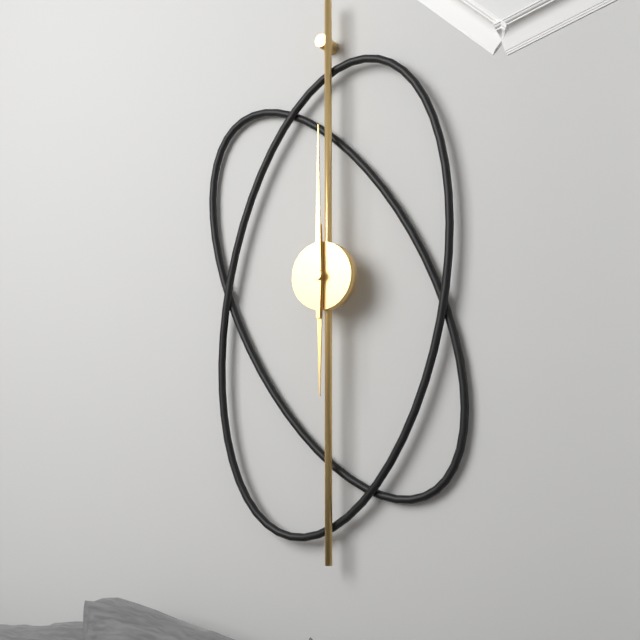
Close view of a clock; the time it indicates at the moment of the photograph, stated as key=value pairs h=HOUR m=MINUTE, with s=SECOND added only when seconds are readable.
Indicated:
h=6 m=0
